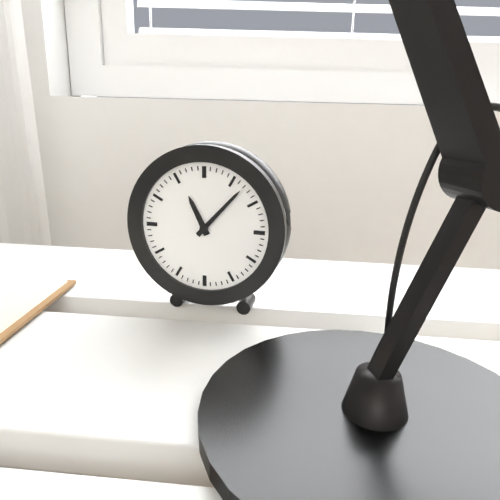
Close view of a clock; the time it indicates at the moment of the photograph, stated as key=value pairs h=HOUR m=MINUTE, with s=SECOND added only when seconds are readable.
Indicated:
h=11 m=7
